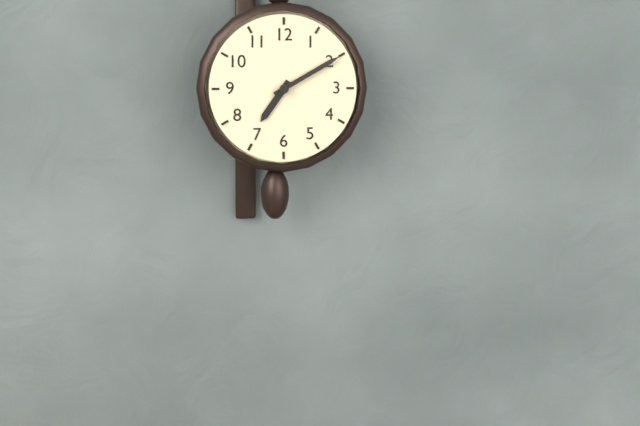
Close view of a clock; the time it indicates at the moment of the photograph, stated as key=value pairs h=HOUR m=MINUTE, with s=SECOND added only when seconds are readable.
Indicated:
h=7 m=10
